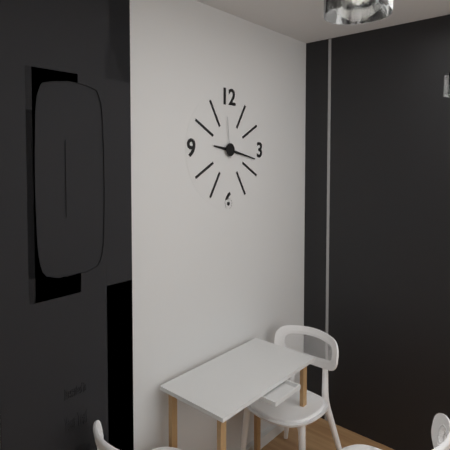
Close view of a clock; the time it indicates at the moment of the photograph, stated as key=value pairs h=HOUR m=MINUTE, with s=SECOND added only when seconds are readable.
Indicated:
h=9 m=17
